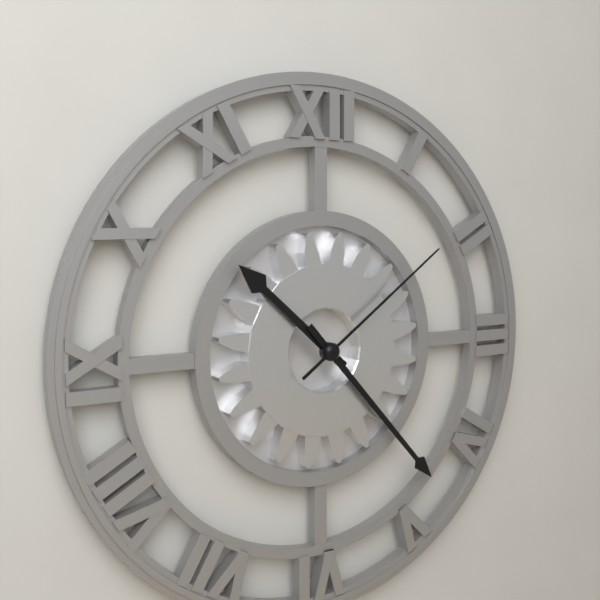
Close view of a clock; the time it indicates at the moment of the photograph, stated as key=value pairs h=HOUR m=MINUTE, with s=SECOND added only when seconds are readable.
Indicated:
h=10 m=23 s=9
